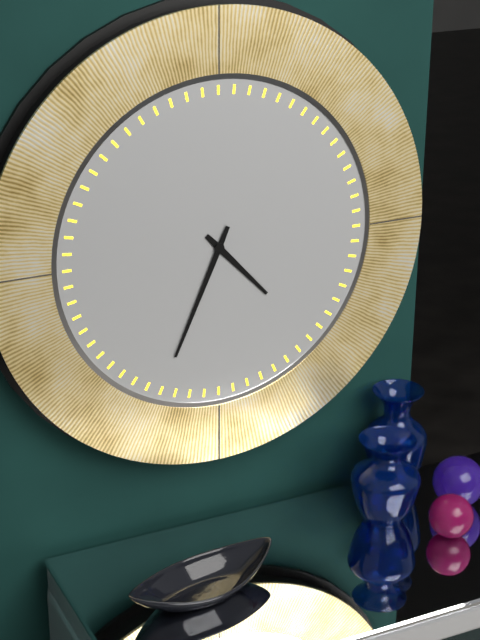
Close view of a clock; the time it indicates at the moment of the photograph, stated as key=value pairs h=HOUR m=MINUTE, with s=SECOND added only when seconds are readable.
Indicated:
h=4 m=34
